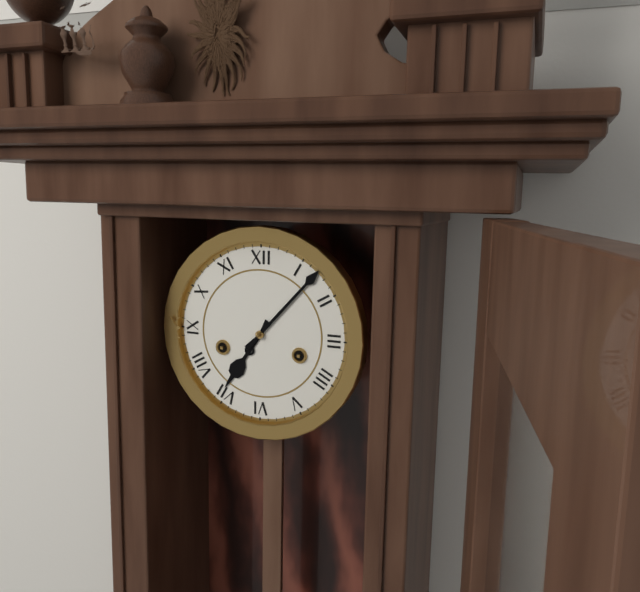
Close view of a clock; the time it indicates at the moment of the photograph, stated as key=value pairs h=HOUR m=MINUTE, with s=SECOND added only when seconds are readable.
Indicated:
h=7 m=7
